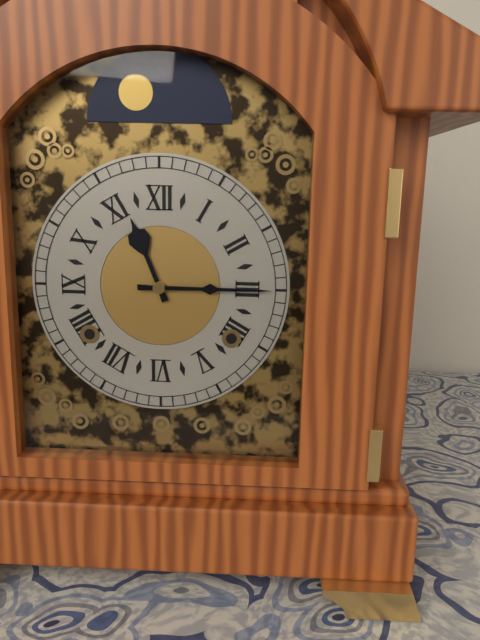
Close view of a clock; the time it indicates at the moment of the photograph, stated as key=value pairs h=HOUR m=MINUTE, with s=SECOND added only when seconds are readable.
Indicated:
h=11 m=15
